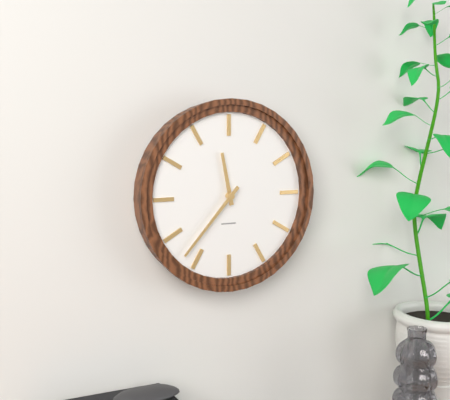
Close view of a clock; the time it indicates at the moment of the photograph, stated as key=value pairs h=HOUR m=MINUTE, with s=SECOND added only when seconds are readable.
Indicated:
h=11 m=37
